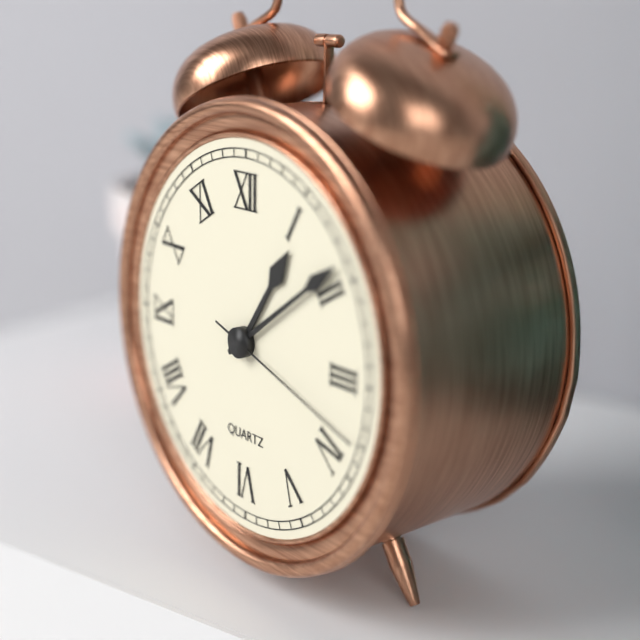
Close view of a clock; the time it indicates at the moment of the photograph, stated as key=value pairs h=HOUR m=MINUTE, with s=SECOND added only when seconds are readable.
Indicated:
h=1 m=9 s=18
